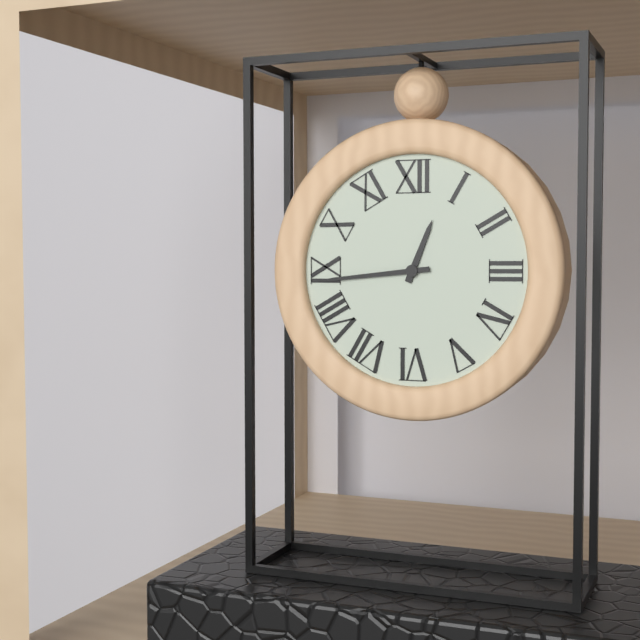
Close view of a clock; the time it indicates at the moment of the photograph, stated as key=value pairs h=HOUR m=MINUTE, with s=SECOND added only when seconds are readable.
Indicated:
h=12 m=44
